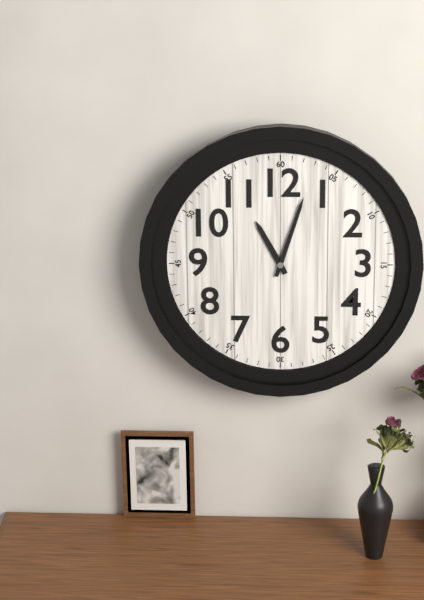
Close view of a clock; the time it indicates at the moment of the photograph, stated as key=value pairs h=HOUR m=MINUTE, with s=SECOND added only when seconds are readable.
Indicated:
h=11 m=3
